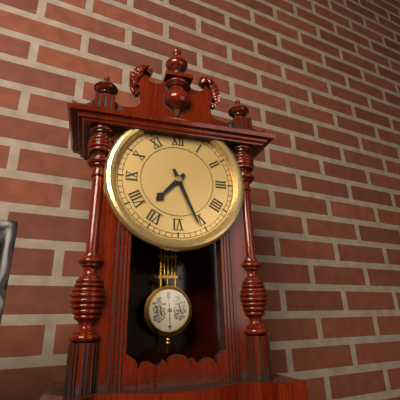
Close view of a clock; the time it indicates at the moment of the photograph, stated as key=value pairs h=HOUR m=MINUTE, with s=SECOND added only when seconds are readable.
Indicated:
h=7 m=26
